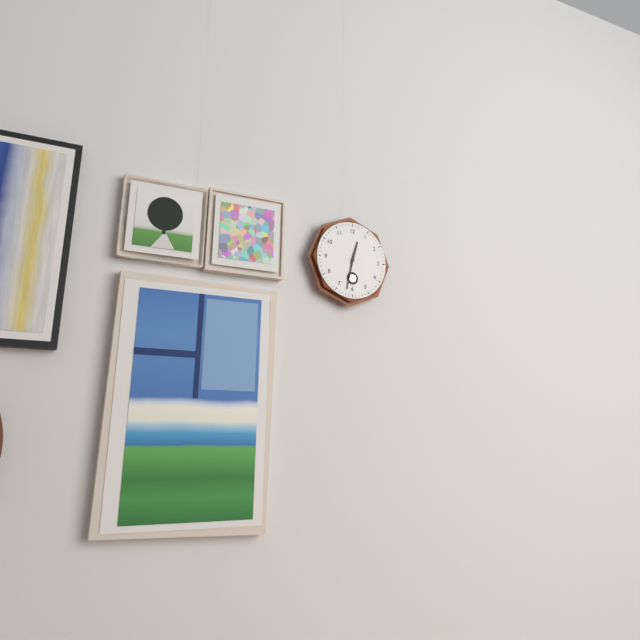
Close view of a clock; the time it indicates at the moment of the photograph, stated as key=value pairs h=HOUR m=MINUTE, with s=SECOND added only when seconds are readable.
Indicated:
h=12 m=32
